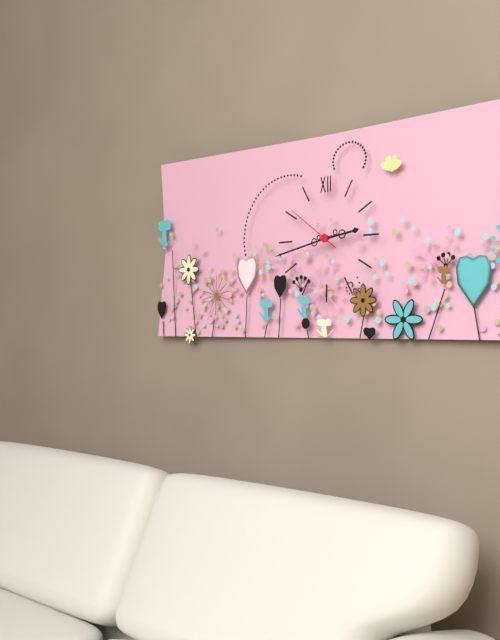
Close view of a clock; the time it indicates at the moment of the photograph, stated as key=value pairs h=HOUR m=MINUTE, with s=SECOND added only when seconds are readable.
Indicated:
h=2 m=43 s=51
